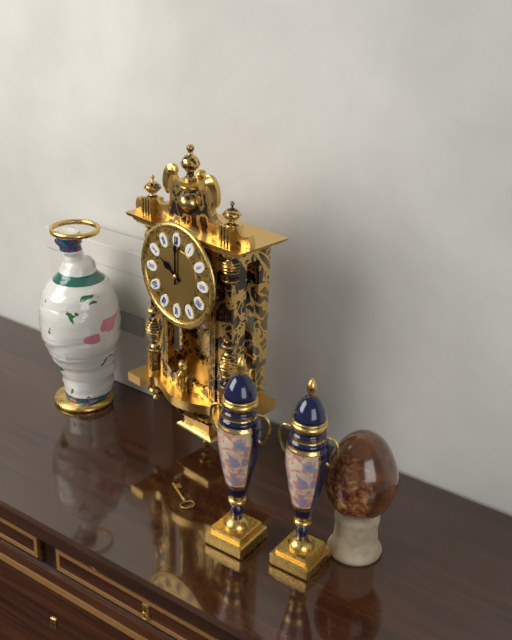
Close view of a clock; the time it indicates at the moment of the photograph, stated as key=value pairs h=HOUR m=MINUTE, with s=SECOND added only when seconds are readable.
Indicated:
h=10 m=0
